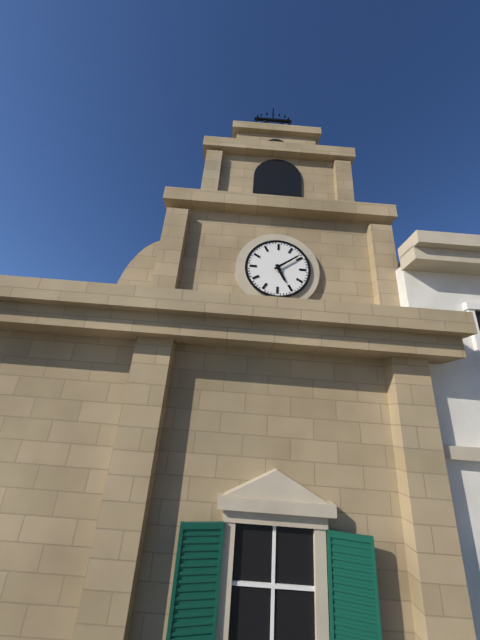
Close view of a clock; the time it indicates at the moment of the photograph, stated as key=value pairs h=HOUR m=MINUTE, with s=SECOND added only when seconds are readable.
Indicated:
h=5 m=9
